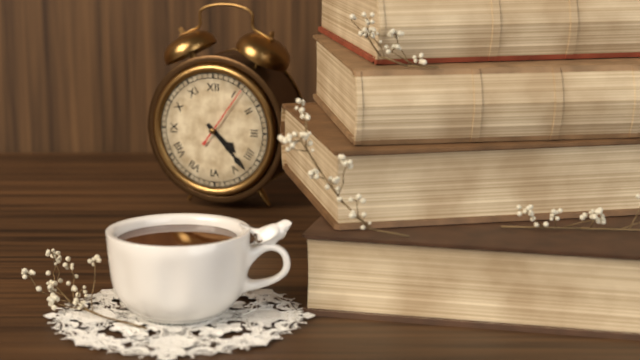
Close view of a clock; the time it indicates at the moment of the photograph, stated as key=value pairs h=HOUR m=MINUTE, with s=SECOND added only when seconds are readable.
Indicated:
h=4 m=23 s=6
